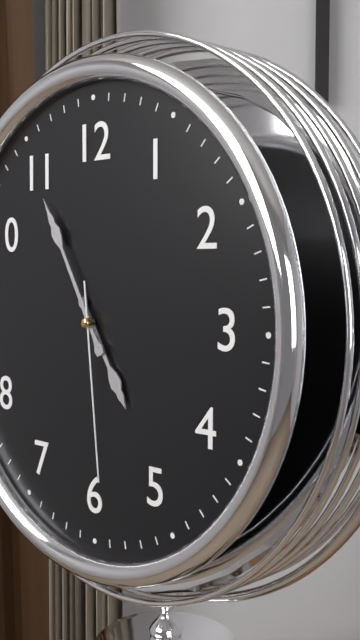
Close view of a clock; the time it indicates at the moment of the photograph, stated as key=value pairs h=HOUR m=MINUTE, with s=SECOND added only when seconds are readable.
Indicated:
h=4 m=55 s=29
